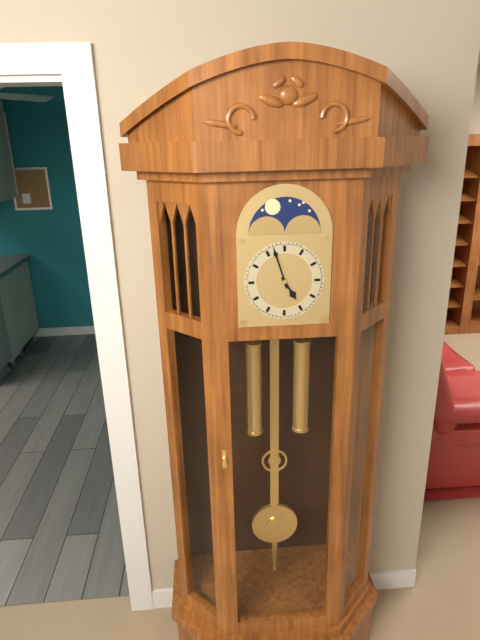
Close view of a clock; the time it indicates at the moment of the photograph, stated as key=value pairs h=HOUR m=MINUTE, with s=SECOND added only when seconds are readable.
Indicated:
h=4 m=57
